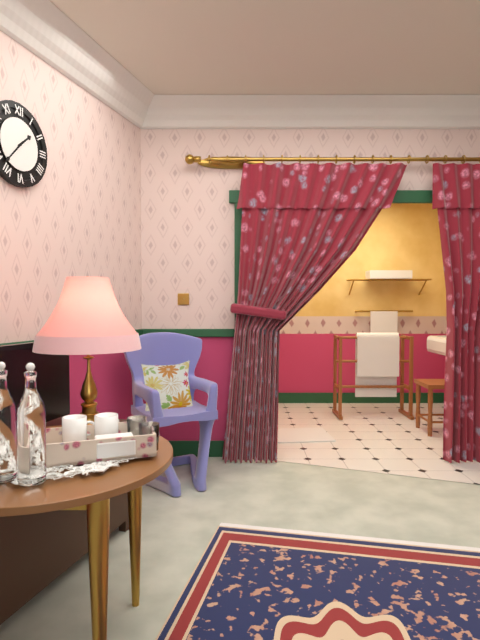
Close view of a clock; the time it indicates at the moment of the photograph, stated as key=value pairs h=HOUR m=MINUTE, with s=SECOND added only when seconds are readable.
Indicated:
h=1 m=37
